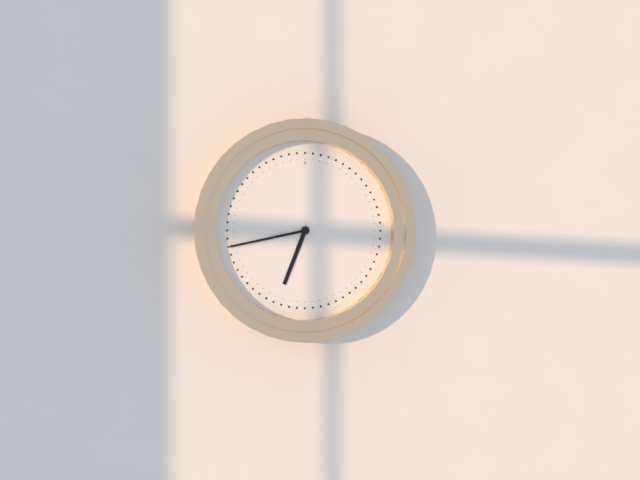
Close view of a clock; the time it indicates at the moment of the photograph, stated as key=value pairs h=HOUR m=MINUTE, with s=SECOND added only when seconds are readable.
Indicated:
h=6 m=43
